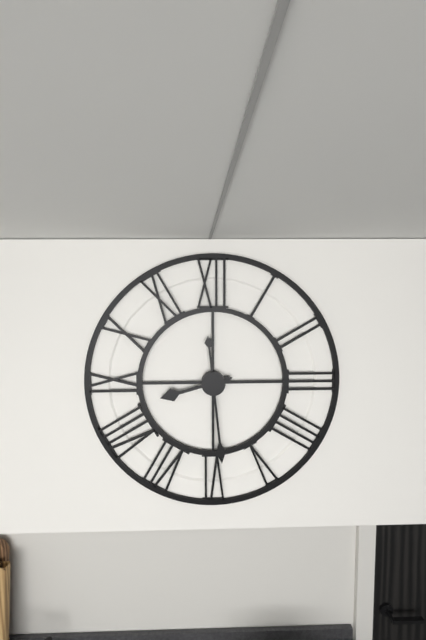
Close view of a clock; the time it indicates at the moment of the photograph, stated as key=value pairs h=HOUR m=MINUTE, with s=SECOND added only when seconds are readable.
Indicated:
h=8 m=29
